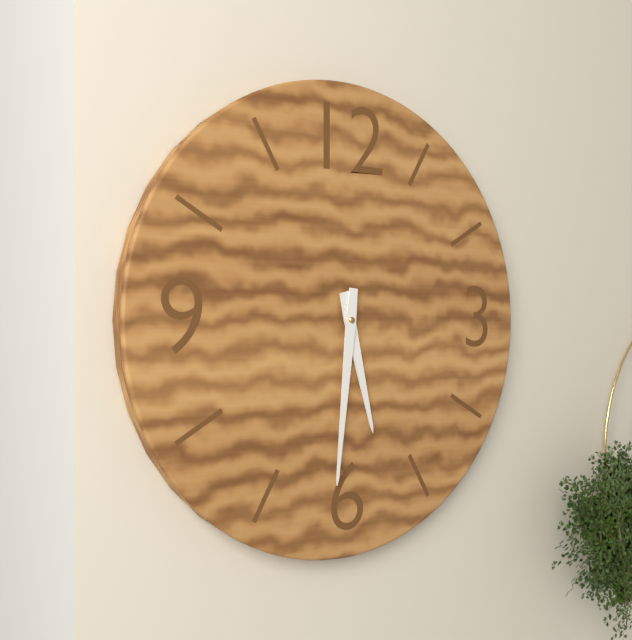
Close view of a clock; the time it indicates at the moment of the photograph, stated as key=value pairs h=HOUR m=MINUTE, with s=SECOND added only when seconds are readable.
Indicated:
h=5 m=31
